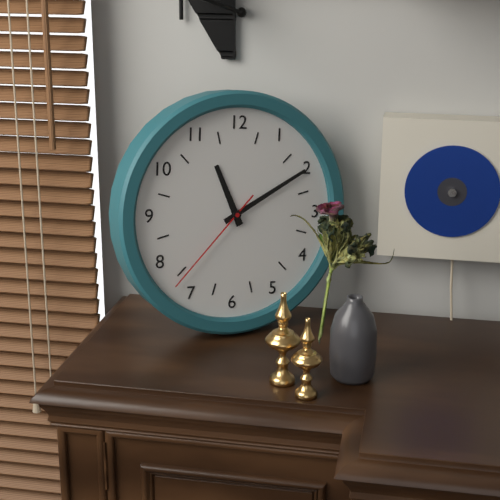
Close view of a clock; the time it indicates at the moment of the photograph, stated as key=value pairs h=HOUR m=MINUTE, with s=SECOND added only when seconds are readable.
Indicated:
h=11 m=10 s=37
